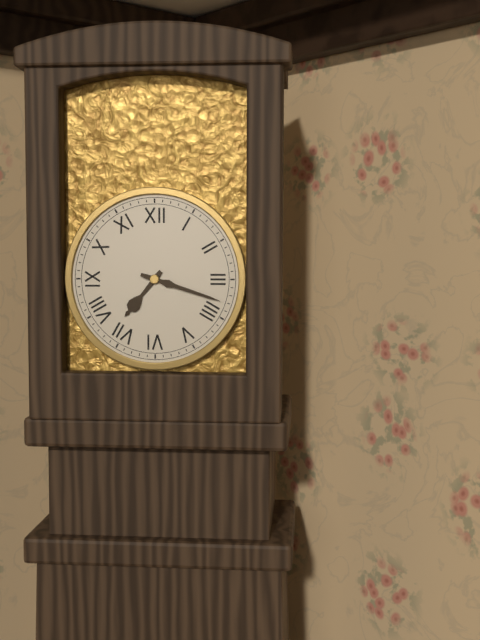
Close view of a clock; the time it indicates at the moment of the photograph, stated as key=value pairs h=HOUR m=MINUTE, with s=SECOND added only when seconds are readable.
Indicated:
h=7 m=18
